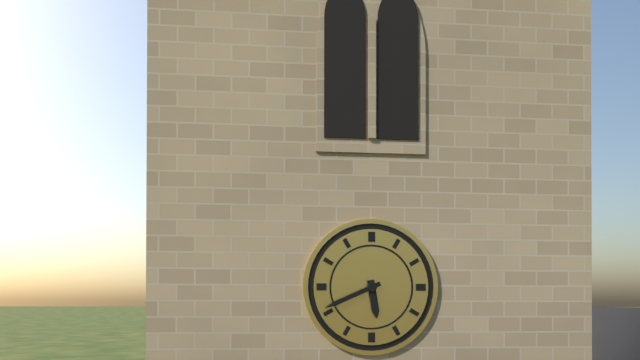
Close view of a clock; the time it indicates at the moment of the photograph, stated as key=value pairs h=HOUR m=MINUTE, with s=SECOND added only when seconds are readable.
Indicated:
h=5 m=41
